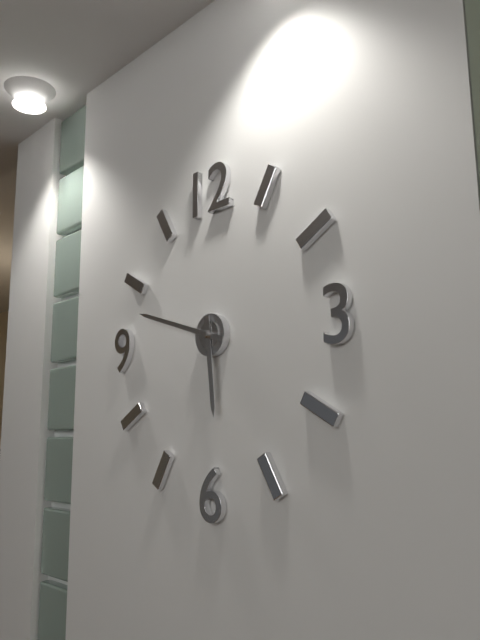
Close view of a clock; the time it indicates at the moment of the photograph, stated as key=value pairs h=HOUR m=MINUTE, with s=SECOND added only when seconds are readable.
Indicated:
h=5 m=48
